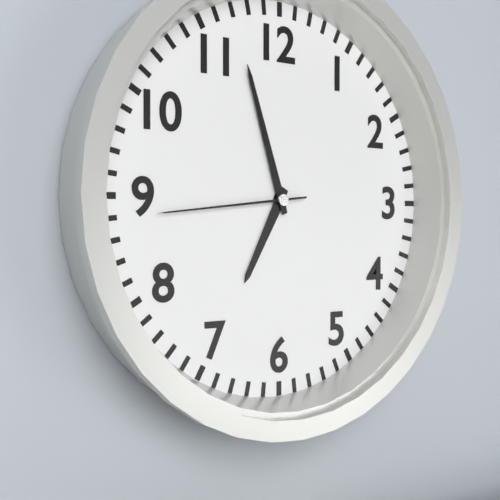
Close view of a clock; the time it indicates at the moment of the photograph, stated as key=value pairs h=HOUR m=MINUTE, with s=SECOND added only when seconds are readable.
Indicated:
h=6 m=57 s=44
